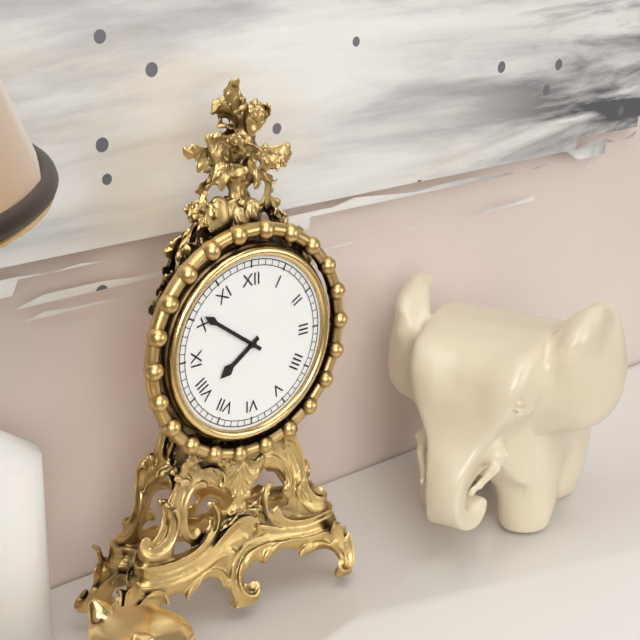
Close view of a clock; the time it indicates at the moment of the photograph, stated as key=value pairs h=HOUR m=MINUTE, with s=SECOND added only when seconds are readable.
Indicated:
h=7 m=51
